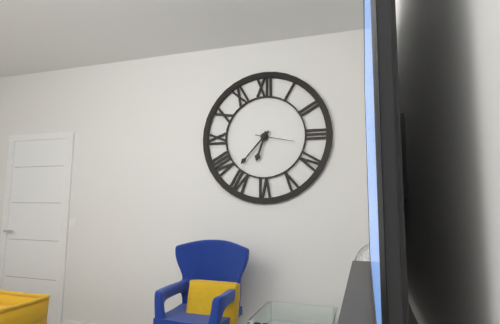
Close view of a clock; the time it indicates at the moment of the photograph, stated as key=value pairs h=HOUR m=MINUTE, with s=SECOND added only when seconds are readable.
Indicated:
h=6 m=37
